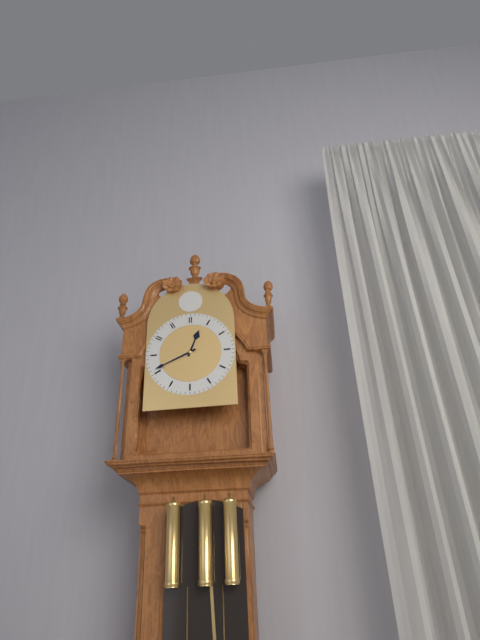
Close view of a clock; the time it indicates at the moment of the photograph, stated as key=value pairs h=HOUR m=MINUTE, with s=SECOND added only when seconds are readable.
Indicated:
h=12 m=41
